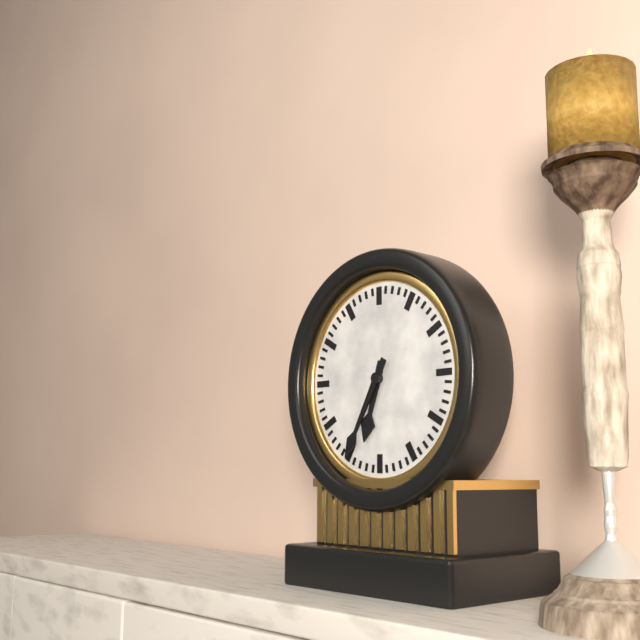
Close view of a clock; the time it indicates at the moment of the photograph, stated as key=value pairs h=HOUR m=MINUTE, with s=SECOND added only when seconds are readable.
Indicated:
h=6 m=35
